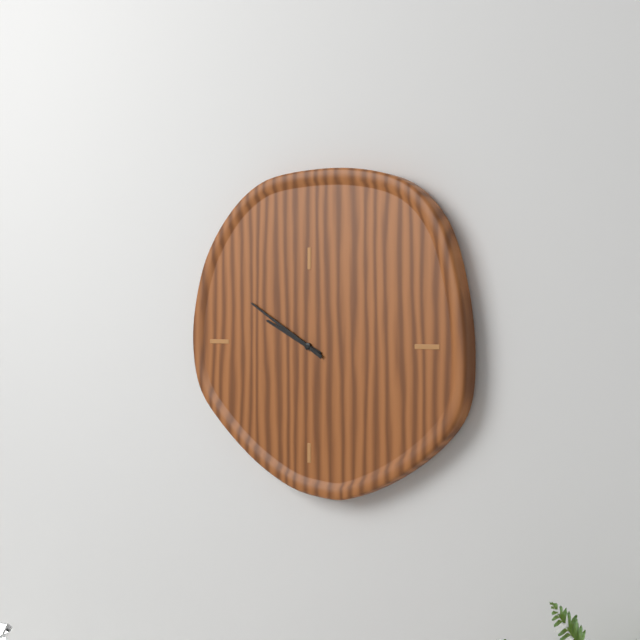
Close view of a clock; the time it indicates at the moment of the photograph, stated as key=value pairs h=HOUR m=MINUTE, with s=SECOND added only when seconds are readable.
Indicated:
h=9 m=50
